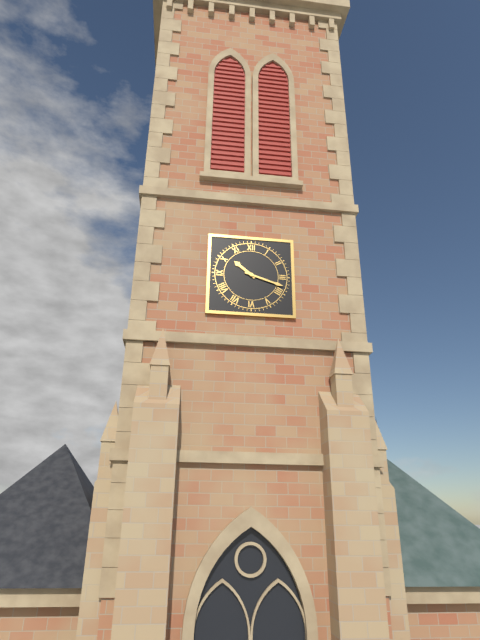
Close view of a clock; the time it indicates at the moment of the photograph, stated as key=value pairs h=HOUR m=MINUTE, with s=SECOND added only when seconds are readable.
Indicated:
h=10 m=18
